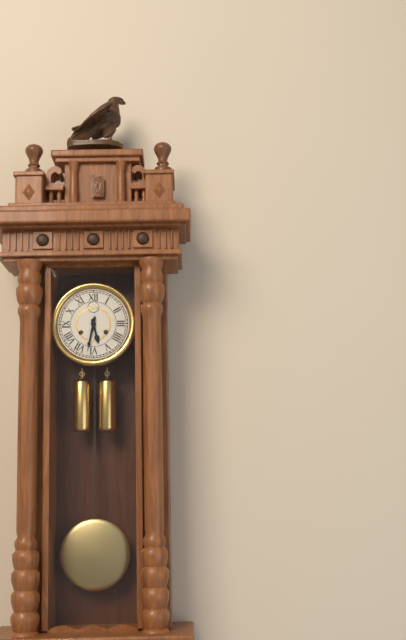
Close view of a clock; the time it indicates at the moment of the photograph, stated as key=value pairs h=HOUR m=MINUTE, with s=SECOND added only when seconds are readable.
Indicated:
h=5 m=32
